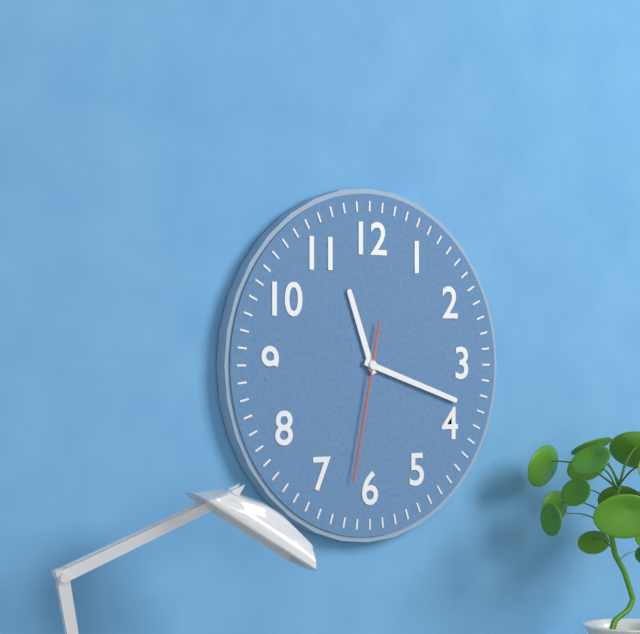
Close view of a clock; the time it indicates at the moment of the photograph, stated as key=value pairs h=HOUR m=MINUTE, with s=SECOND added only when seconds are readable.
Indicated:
h=11 m=18 s=32
